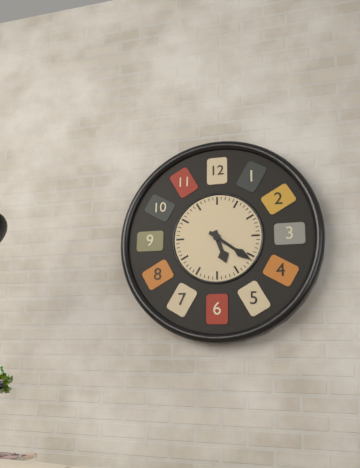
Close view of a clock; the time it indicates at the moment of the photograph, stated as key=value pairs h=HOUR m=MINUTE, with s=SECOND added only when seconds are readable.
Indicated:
h=5 m=21
